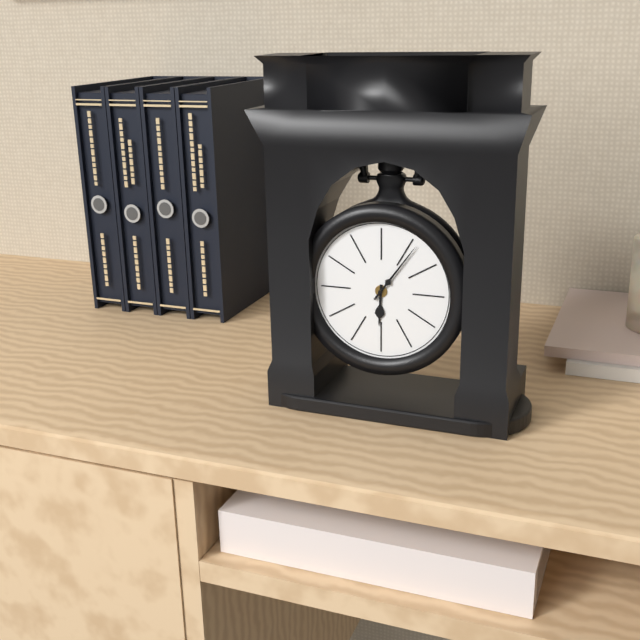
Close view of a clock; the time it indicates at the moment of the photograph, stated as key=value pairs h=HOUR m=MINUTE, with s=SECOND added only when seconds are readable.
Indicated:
h=6 m=6
